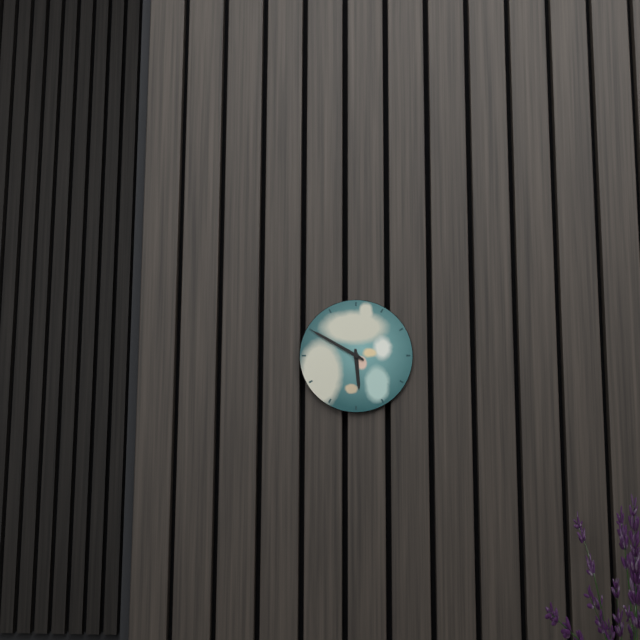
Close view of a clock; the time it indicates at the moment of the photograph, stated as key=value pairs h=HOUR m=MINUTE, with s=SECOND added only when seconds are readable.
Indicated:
h=5 m=50
